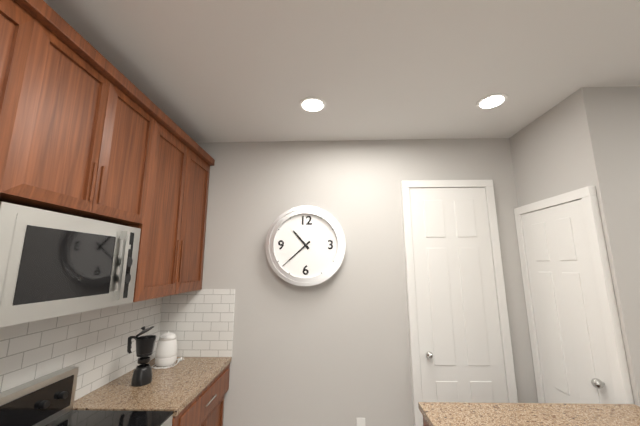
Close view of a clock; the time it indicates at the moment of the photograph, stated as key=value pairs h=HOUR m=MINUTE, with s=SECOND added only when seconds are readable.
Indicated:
h=10 m=38
